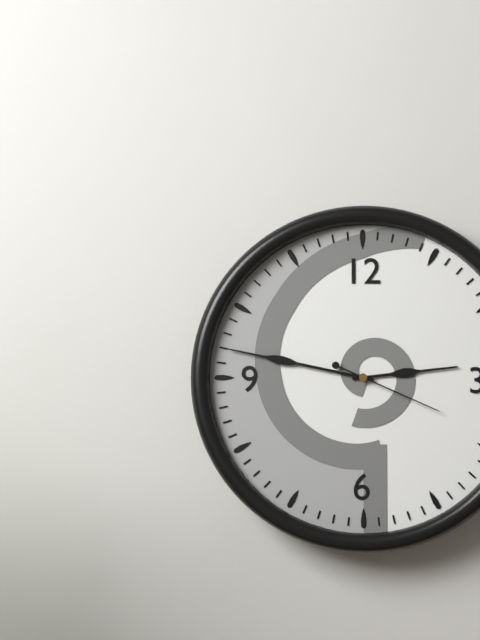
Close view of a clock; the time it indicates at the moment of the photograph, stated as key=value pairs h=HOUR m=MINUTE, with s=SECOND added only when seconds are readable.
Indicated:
h=2 m=47 s=19
